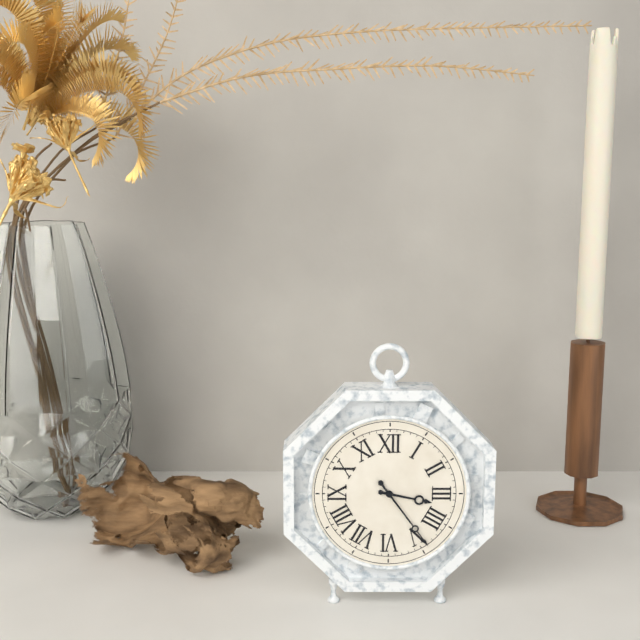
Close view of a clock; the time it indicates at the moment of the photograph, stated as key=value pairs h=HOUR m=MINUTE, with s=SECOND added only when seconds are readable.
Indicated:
h=3 m=24
